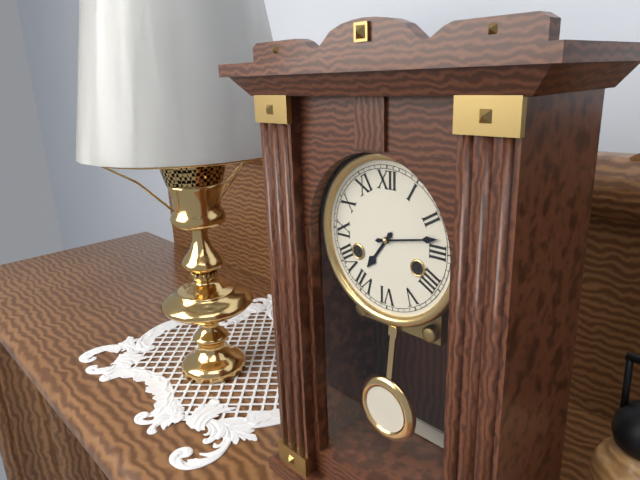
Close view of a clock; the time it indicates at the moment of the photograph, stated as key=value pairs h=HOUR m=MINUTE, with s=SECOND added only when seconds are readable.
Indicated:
h=7 m=13
